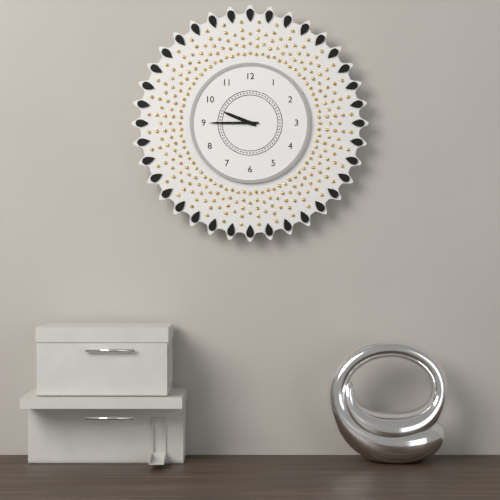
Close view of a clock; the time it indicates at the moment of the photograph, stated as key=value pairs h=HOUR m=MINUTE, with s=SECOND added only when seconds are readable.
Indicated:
h=9 m=45
